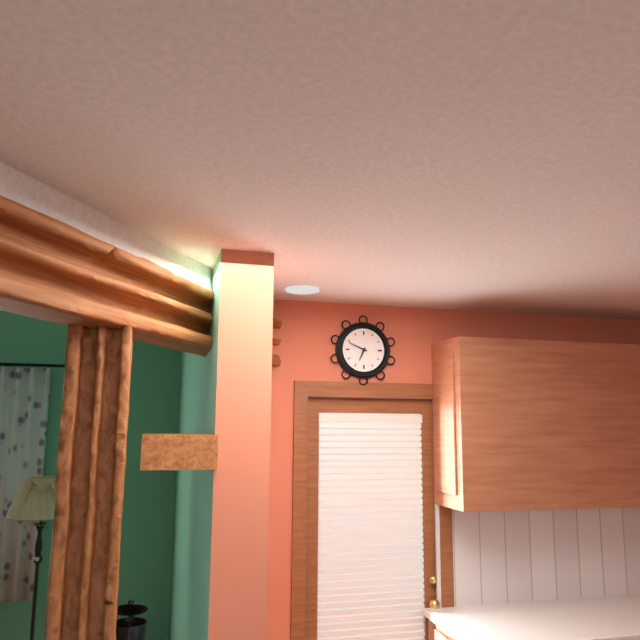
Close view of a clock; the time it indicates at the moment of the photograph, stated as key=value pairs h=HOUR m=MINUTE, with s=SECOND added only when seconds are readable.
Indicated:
h=6 m=49
